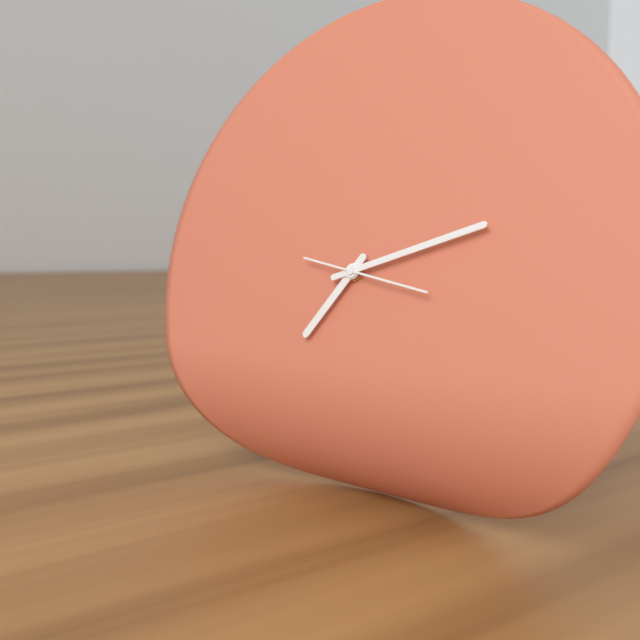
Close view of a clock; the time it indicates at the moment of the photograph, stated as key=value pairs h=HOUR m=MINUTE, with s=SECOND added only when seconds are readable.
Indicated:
h=7 m=12 s=17
